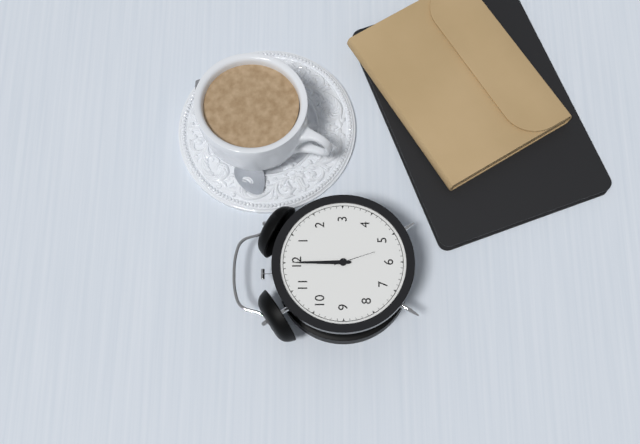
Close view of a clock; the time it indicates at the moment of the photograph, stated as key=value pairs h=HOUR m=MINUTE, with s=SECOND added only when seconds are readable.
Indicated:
h=12 m=0
